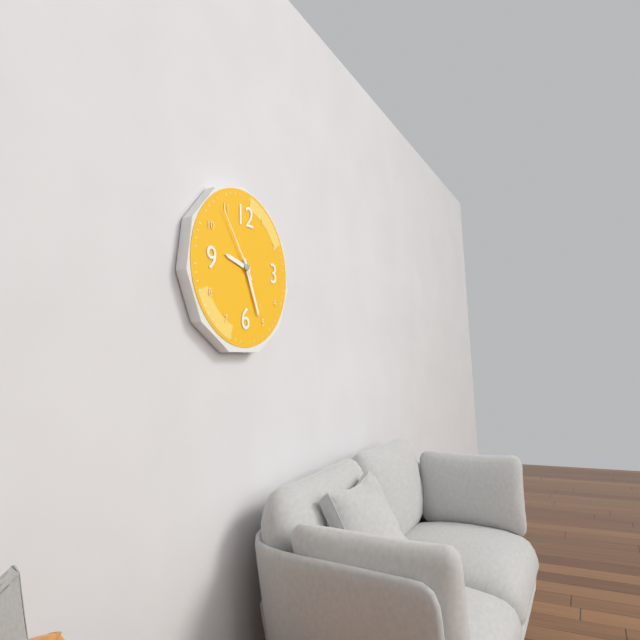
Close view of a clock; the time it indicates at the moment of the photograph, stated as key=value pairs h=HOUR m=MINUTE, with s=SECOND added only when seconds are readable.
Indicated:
h=9 m=26 s=54
